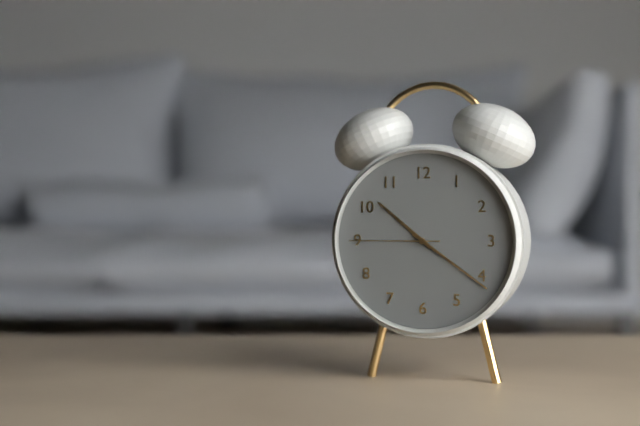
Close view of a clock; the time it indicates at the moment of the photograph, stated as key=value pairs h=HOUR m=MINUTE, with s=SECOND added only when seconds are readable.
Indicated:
h=10 m=21 s=45
